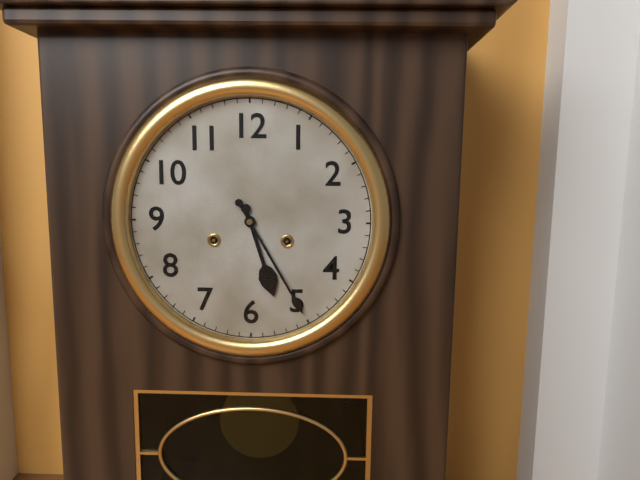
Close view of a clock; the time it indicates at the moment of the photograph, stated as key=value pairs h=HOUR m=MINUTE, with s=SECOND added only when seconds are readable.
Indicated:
h=5 m=25
